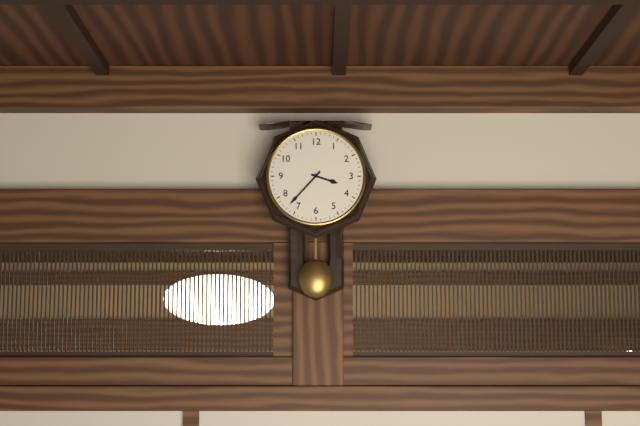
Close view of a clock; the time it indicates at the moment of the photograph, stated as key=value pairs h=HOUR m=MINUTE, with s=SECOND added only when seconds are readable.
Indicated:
h=3 m=37
